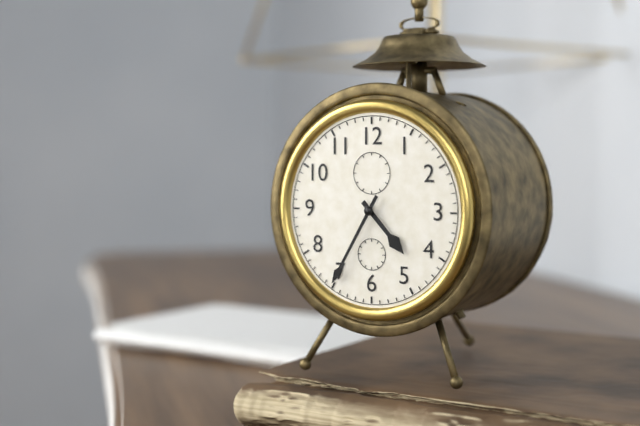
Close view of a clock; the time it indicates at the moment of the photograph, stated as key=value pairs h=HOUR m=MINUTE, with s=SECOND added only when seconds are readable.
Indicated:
h=4 m=35
